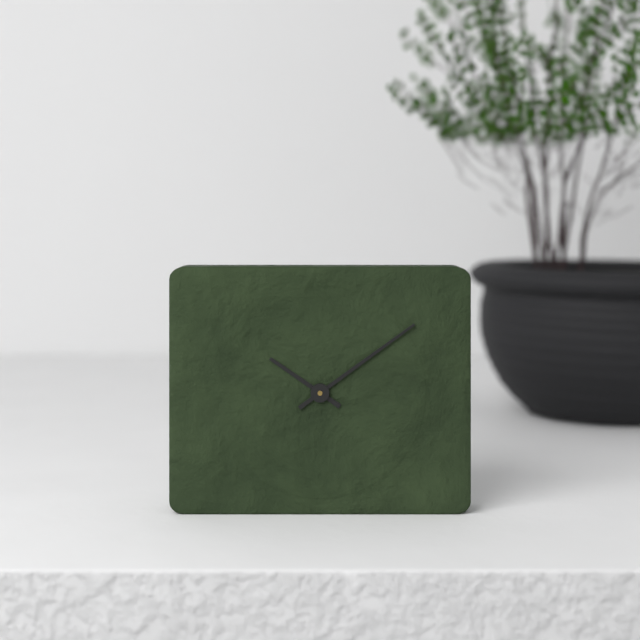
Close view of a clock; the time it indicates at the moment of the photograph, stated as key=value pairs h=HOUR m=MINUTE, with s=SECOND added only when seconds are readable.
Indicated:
h=10 m=9
